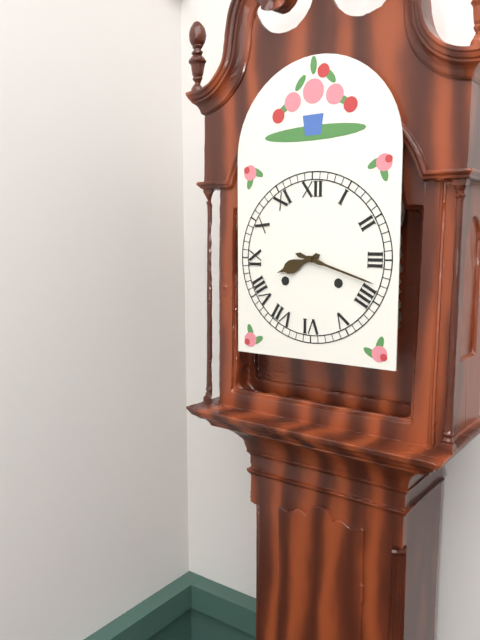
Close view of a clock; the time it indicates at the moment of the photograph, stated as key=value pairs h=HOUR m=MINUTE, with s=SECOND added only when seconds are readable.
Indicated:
h=8 m=18
